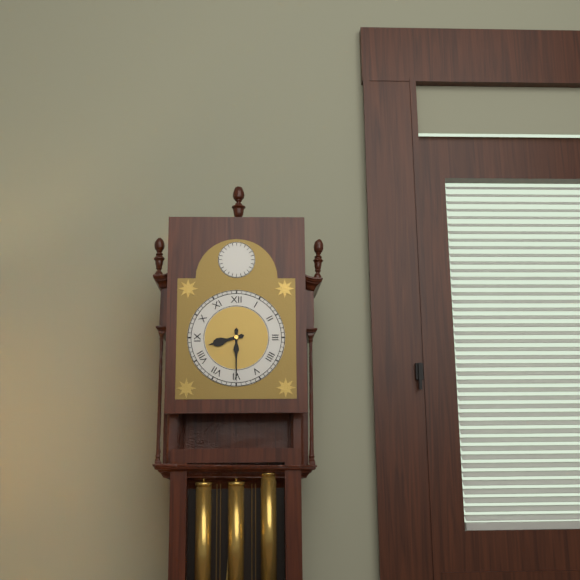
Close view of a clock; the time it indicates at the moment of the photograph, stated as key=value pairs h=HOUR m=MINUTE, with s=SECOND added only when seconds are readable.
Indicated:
h=8 m=30
